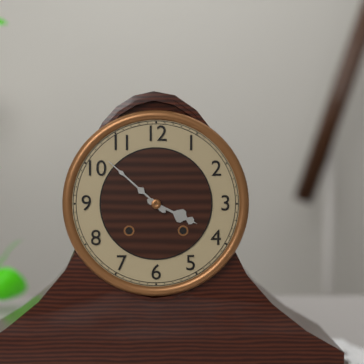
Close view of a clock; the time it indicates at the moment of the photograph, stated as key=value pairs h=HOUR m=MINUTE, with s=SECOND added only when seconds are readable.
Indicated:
h=3 m=52
